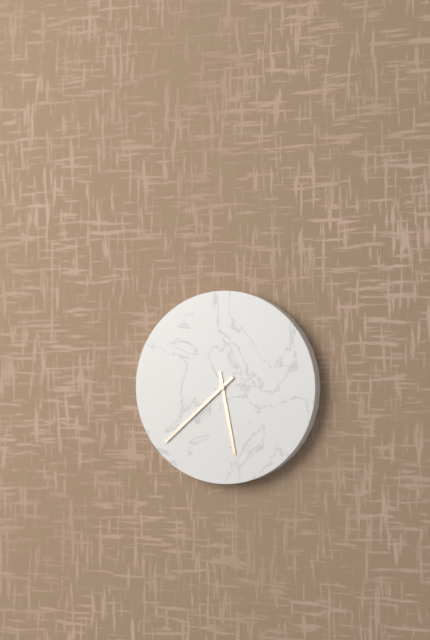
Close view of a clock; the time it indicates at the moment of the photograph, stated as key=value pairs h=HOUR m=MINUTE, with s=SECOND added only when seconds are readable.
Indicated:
h=5 m=38
